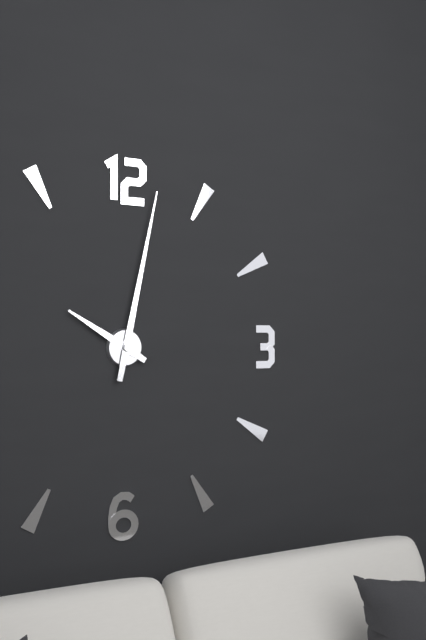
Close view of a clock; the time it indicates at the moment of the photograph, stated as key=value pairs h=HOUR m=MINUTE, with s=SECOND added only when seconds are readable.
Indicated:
h=10 m=2
